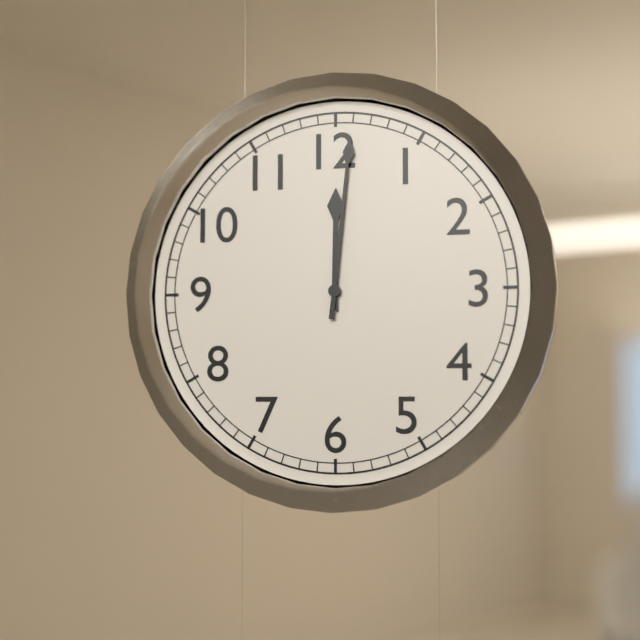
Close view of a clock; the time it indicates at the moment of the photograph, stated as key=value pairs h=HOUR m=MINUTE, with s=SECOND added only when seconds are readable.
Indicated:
h=12 m=1
